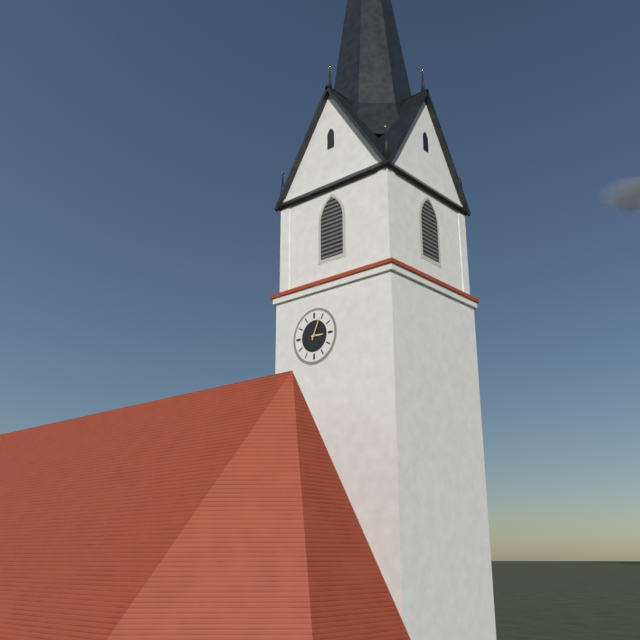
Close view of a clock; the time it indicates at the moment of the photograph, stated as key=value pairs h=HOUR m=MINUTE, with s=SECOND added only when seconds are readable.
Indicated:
h=3 m=4
